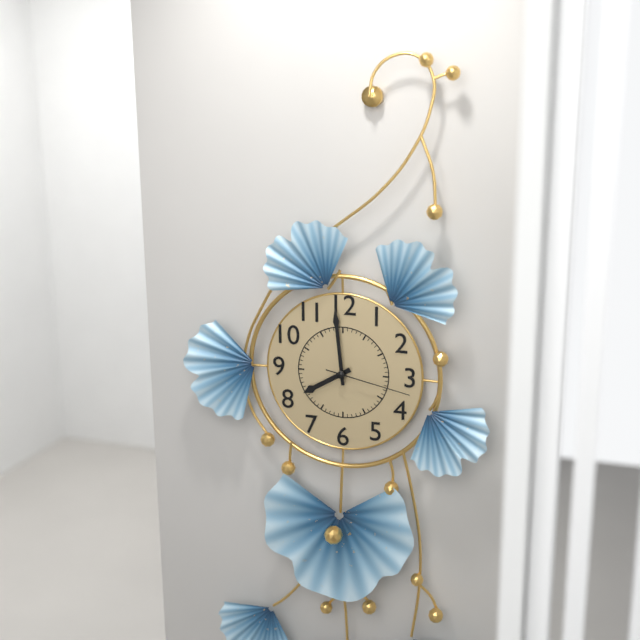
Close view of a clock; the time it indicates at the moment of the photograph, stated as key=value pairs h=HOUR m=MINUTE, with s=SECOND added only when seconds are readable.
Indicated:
h=7 m=59 s=17
